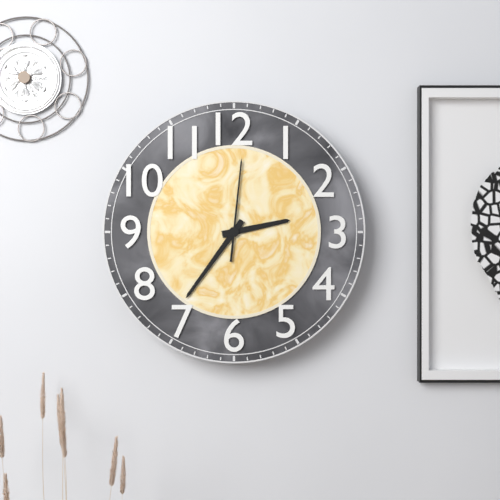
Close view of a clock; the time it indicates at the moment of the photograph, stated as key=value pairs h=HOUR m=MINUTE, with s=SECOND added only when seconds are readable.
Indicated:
h=2 m=36 s=1
